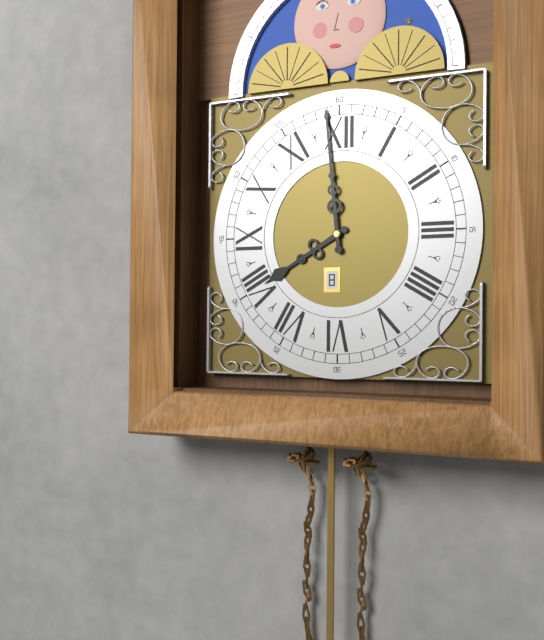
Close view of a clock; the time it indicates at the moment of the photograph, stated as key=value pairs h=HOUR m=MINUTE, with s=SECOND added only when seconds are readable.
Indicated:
h=7 m=59
